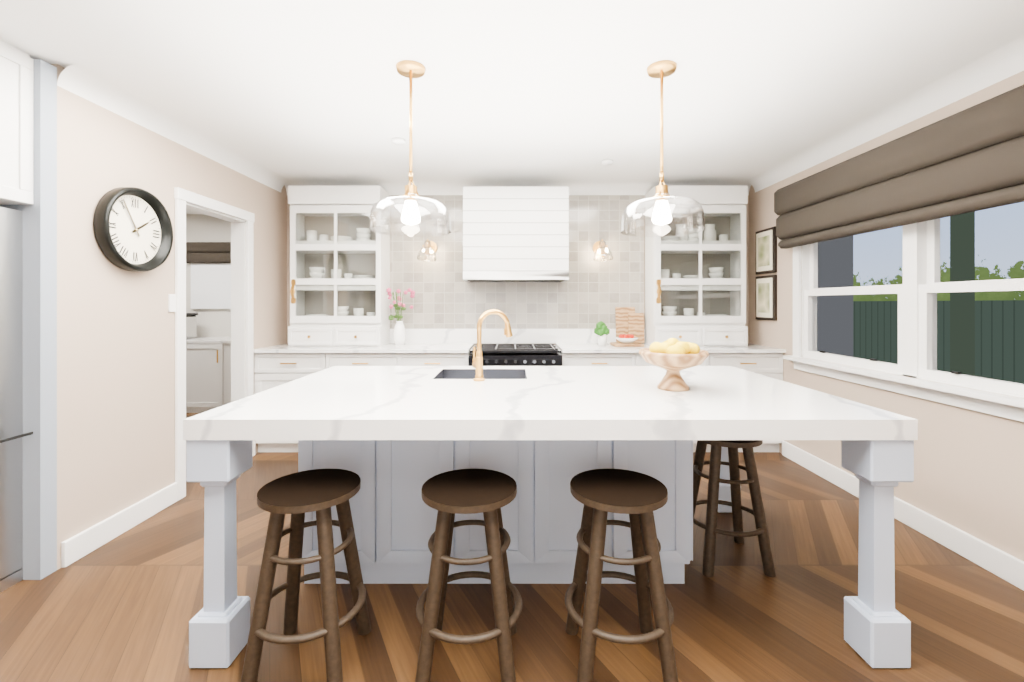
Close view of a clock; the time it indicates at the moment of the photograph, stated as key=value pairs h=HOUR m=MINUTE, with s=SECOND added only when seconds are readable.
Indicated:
h=1 m=55
